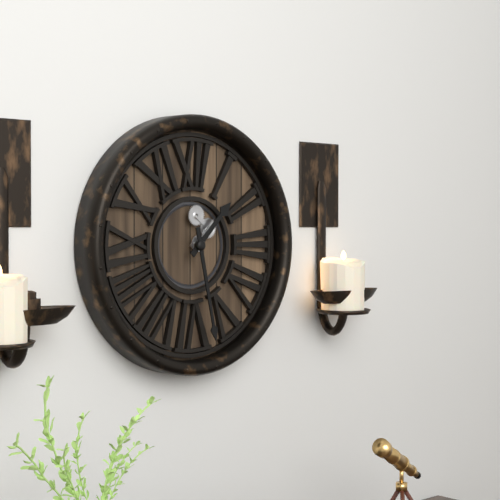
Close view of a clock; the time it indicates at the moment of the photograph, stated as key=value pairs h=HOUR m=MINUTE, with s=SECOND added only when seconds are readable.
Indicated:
h=1 m=28
